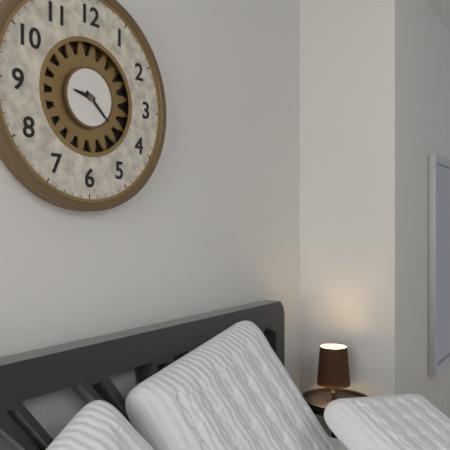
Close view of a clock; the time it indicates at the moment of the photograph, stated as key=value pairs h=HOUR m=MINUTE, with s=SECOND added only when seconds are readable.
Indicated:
h=9 m=22
